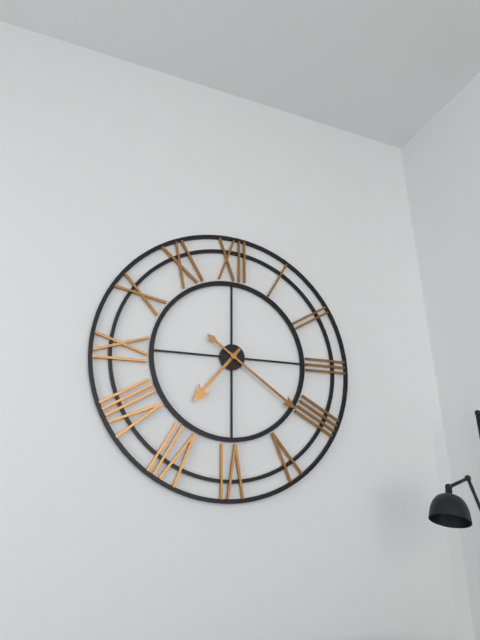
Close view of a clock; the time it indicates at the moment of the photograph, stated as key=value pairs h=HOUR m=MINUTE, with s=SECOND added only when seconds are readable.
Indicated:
h=7 m=21
